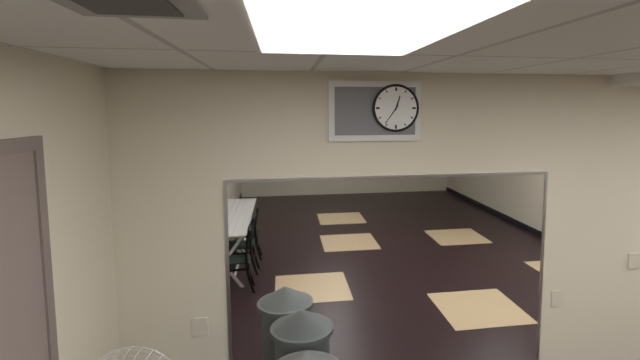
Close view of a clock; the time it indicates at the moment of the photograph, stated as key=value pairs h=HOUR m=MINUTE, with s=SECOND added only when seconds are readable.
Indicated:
h=12 m=36
